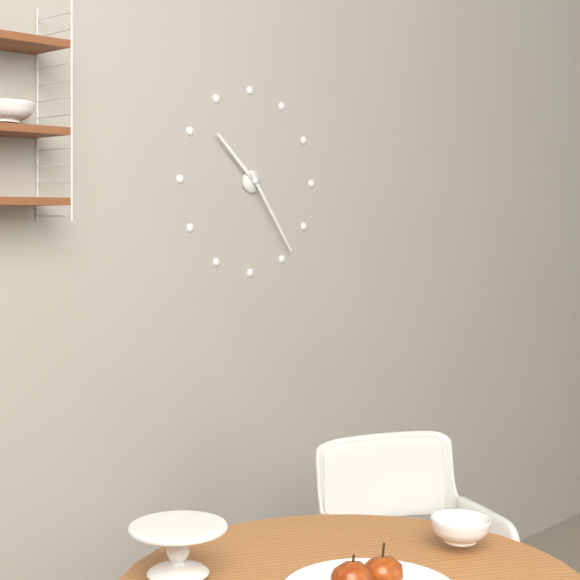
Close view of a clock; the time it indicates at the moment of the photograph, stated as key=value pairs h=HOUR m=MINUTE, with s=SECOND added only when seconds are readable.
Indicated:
h=10 m=24
